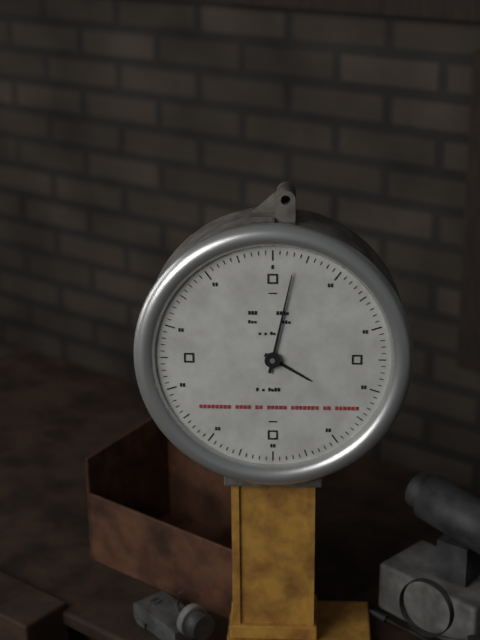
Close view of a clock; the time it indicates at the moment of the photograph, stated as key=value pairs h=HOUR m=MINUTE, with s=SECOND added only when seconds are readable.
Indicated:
h=4 m=2
